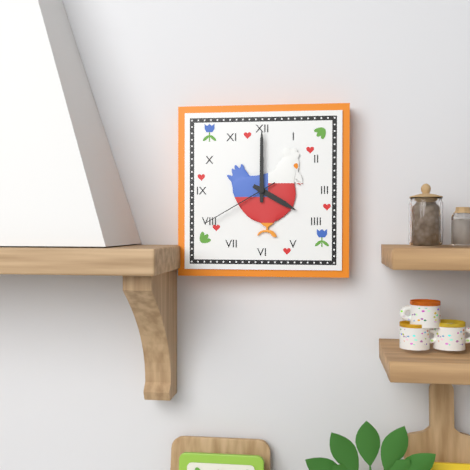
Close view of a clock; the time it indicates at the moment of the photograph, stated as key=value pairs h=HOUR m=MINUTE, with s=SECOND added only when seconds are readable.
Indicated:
h=4 m=0 s=40
